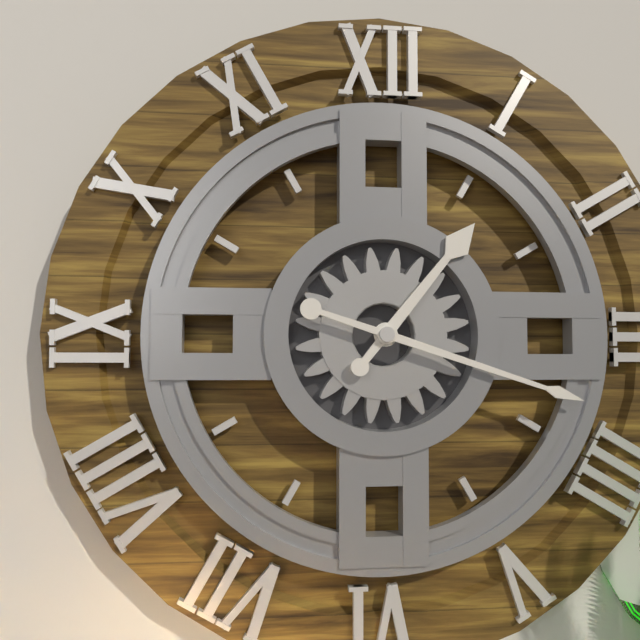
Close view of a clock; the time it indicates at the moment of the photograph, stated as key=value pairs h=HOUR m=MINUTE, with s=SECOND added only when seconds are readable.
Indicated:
h=1 m=18
